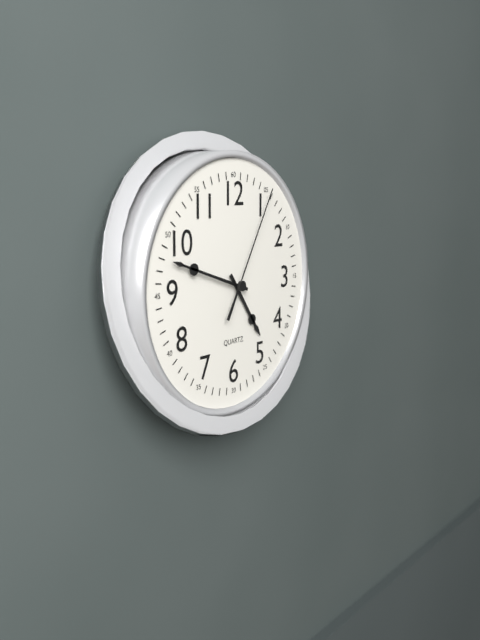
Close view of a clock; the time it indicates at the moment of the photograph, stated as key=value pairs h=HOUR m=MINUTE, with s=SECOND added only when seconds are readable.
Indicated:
h=4 m=48 s=5
